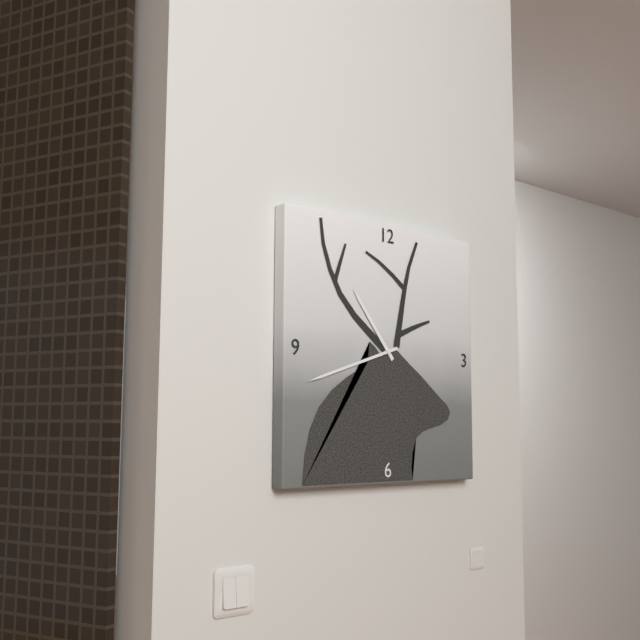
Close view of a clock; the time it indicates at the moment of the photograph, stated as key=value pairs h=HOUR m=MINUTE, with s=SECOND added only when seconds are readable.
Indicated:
h=10 m=42
